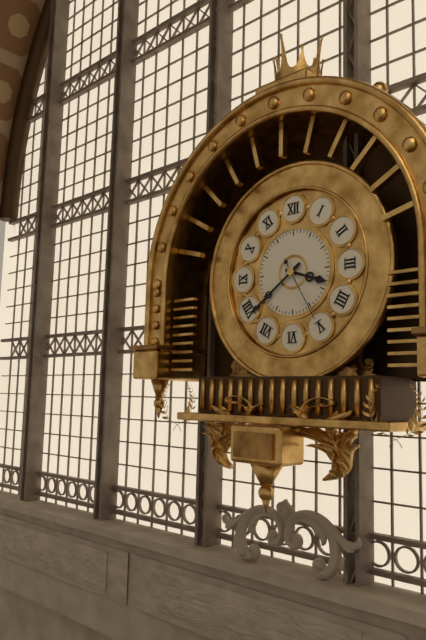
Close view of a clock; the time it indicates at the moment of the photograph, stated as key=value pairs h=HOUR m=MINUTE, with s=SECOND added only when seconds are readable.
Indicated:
h=3 m=39 s=25
